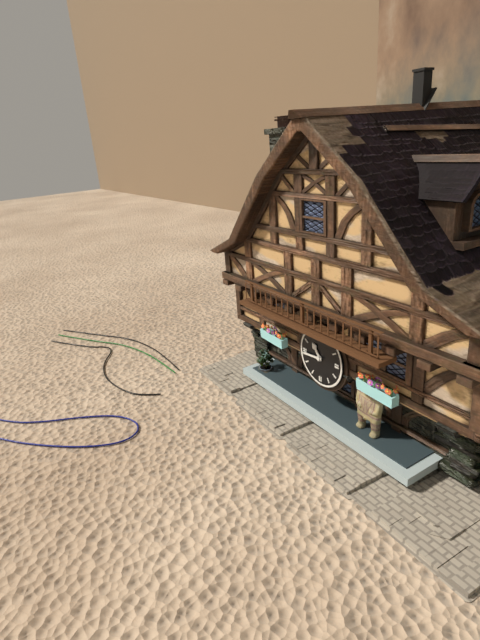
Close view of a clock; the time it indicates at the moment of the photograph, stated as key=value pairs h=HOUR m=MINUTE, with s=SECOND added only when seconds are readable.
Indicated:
h=10 m=44
